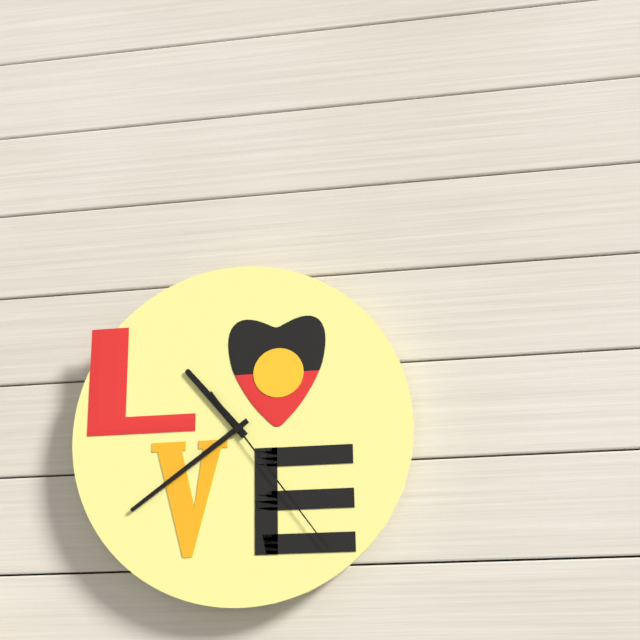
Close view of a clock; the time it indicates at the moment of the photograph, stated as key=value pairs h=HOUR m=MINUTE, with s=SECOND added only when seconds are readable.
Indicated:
h=10 m=39 s=24
